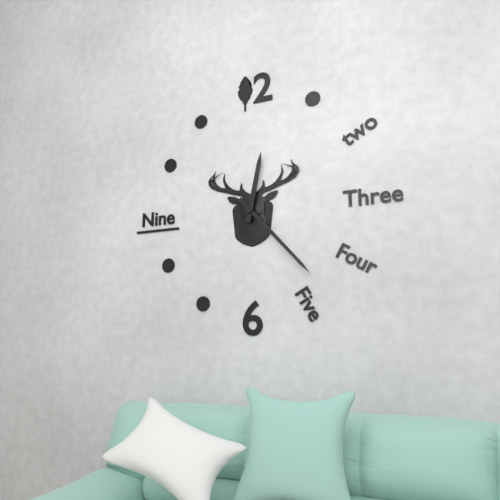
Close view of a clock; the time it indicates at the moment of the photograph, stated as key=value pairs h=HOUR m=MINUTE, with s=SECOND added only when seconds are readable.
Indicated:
h=12 m=23
